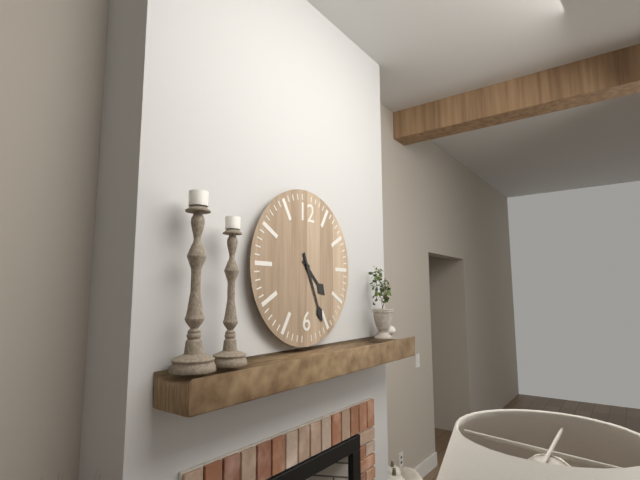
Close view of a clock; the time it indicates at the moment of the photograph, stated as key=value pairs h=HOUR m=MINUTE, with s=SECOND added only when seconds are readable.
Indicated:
h=4 m=26
